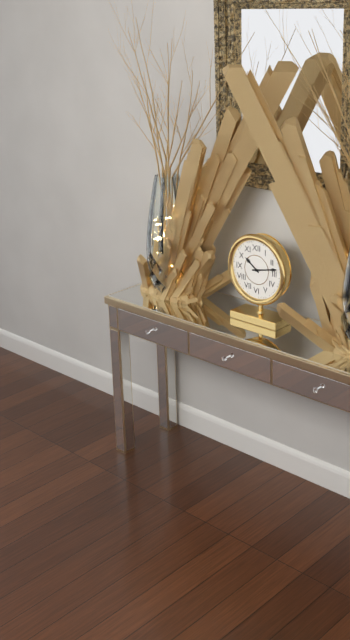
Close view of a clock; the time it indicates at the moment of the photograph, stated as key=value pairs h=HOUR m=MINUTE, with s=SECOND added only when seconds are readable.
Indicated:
h=10 m=13
